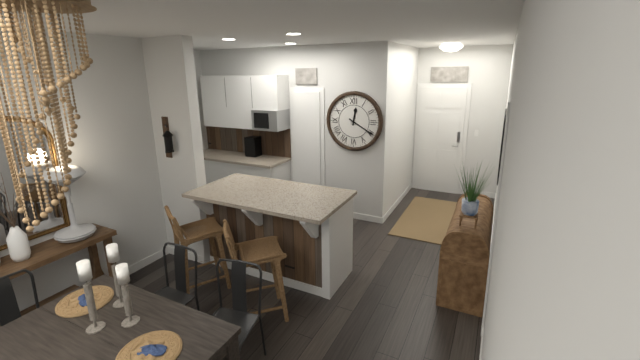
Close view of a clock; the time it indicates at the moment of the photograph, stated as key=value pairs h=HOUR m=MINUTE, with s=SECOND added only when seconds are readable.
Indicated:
h=12 m=20
